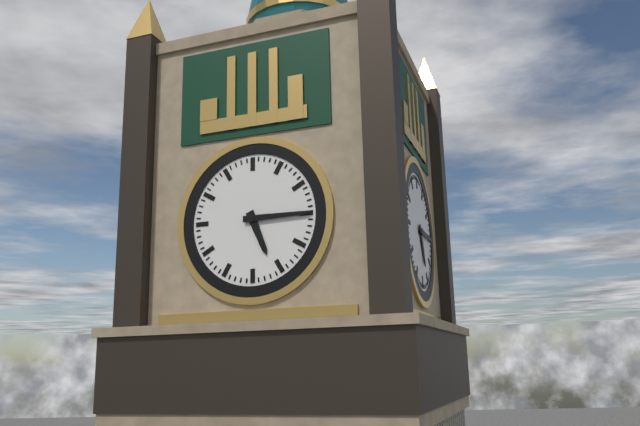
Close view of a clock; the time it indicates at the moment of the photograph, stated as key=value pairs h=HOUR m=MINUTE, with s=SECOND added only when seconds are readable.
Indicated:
h=5 m=15
